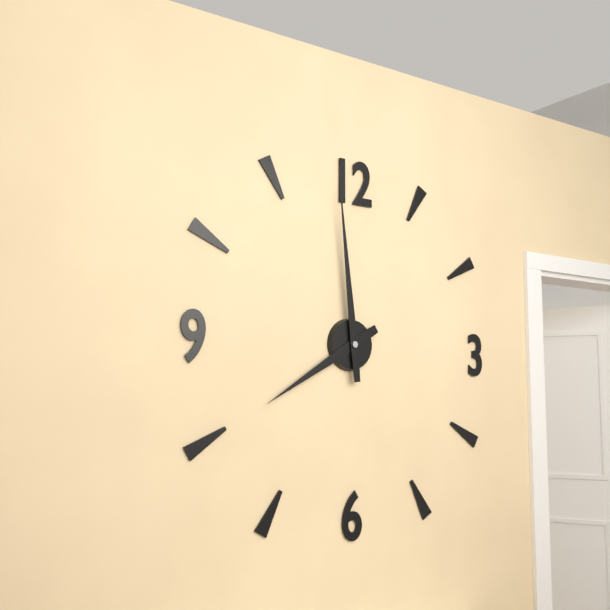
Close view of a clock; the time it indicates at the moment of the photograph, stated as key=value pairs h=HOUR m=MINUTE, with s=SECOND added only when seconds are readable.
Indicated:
h=7 m=59
